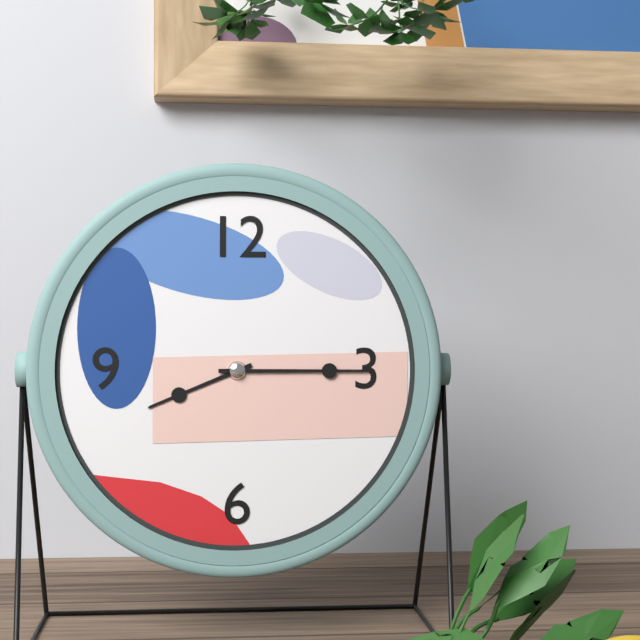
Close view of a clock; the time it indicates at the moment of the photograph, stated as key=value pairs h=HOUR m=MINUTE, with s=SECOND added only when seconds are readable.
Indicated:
h=8 m=15
